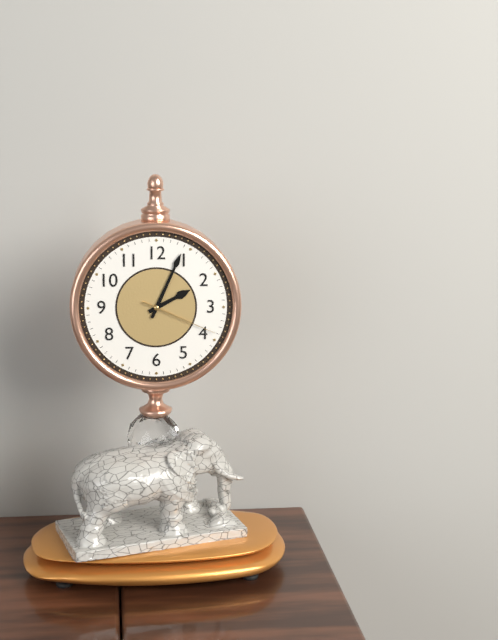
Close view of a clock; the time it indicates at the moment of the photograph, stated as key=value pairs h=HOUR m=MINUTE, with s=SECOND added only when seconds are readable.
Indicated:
h=2 m=4 s=19
